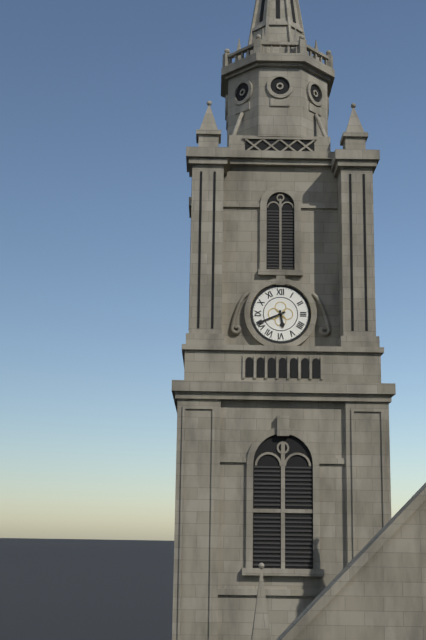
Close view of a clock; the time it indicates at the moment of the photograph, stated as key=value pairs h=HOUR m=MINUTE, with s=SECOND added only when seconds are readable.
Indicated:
h=5 m=41
